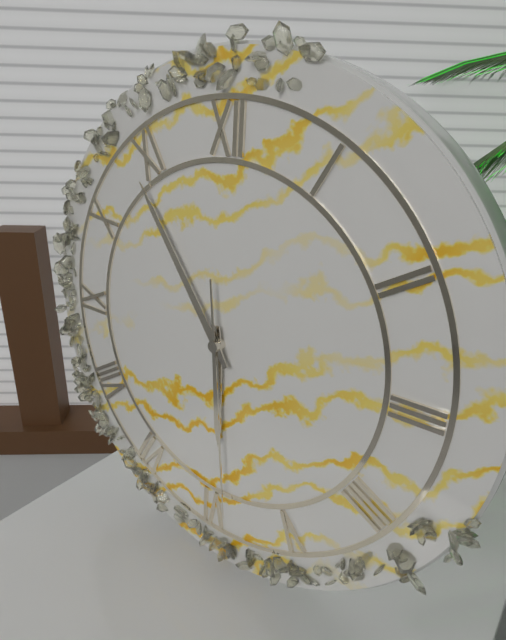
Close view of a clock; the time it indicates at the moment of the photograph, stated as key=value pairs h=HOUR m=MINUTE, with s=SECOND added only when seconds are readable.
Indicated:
h=5 m=54 s=29
